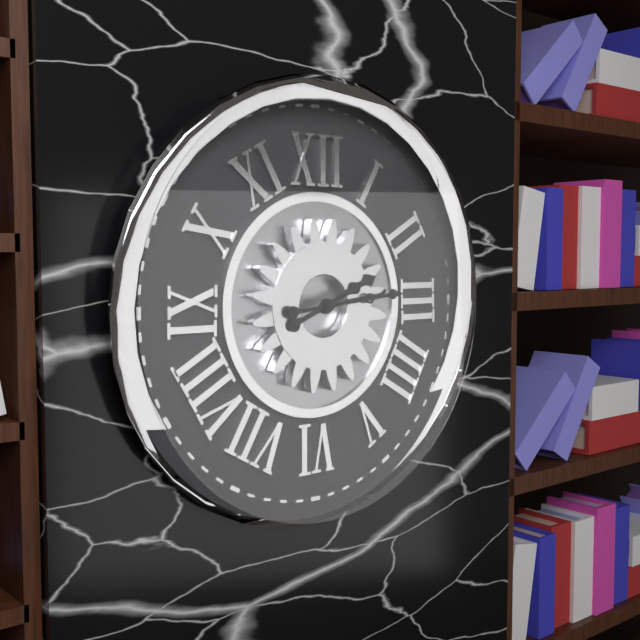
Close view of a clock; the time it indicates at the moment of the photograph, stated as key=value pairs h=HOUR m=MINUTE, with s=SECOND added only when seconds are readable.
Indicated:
h=2 m=14
